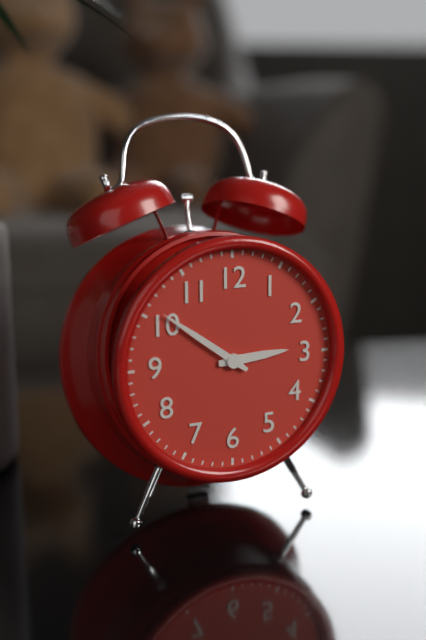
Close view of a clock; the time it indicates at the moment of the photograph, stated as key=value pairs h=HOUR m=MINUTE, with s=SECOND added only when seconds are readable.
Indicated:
h=2 m=51
